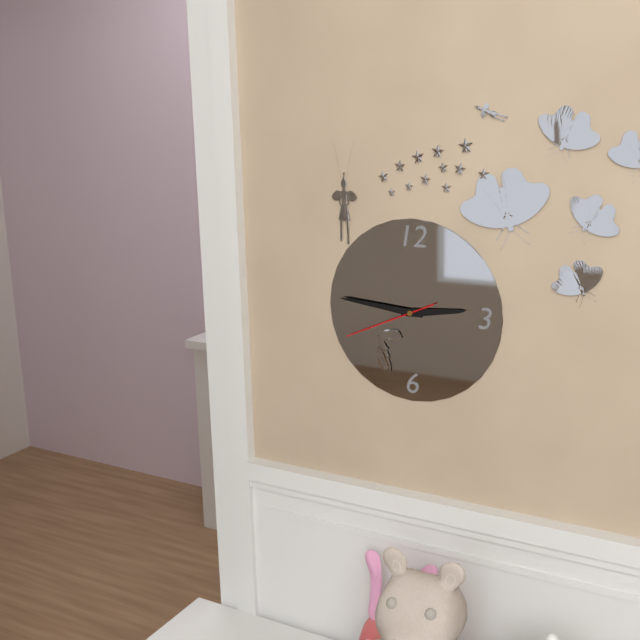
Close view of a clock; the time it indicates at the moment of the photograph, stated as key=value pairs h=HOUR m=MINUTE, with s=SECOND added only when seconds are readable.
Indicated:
h=2 m=46 s=41
